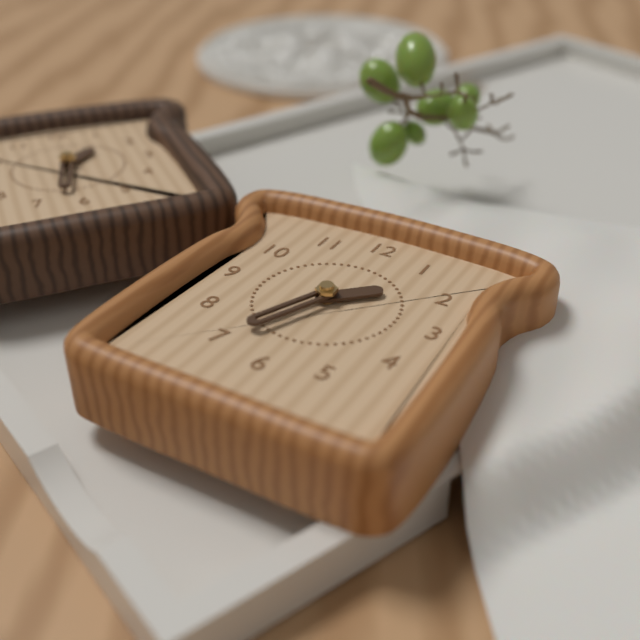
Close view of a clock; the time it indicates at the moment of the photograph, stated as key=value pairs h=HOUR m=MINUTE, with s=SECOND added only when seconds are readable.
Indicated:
h=1 m=34
